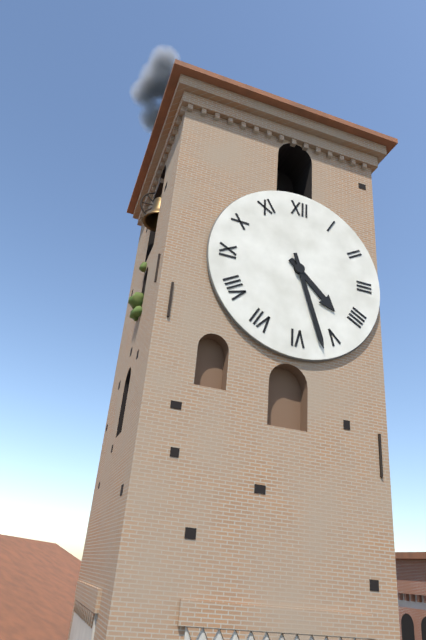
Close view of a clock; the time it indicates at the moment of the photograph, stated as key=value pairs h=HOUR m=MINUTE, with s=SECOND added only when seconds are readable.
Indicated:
h=4 m=27
